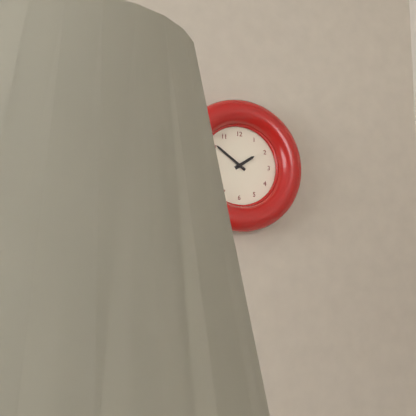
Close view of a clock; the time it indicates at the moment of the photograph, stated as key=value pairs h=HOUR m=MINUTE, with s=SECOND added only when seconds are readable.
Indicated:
h=1 m=51
